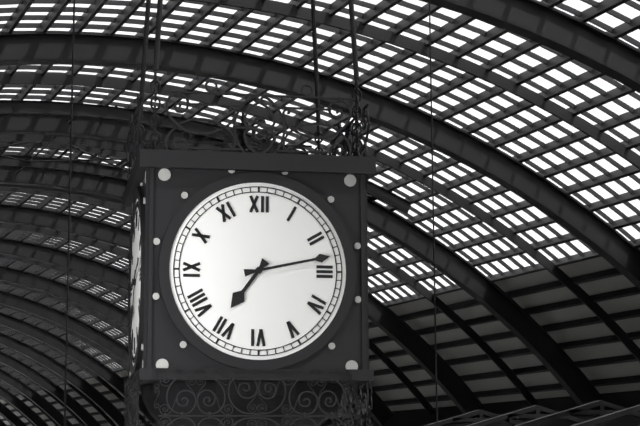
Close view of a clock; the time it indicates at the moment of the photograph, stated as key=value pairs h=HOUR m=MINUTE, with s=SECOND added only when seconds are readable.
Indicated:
h=7 m=13
